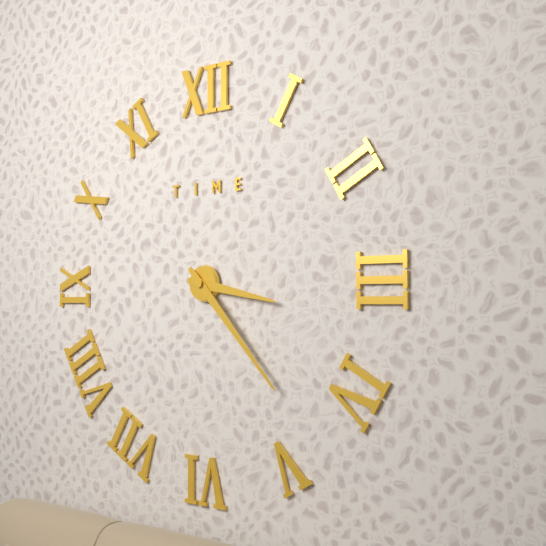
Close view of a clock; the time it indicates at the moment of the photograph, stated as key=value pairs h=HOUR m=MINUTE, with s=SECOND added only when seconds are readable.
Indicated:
h=3 m=23
